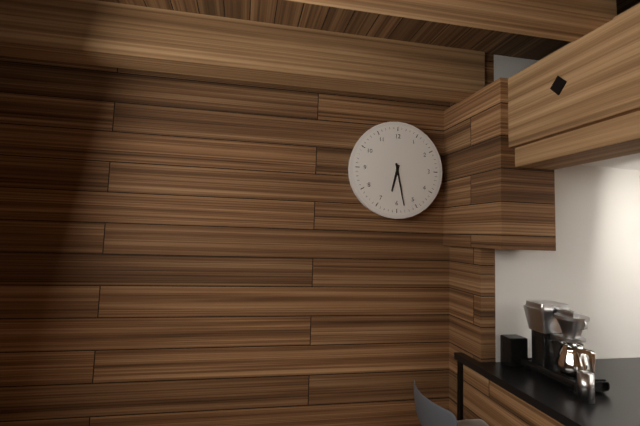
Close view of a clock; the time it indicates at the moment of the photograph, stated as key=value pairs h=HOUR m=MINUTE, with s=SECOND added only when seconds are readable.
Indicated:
h=6 m=28
